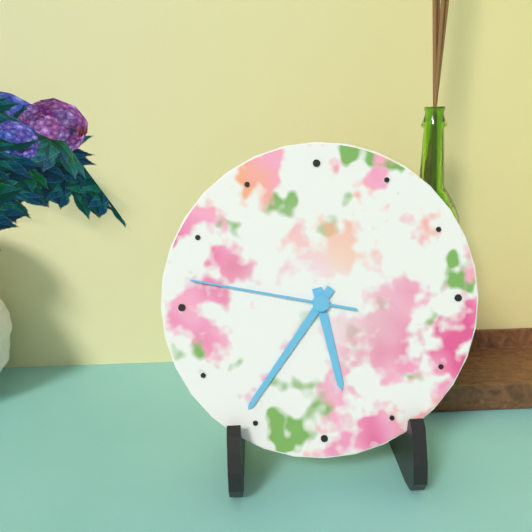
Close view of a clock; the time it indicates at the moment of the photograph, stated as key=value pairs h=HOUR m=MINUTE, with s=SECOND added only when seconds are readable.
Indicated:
h=5 m=36 s=47
